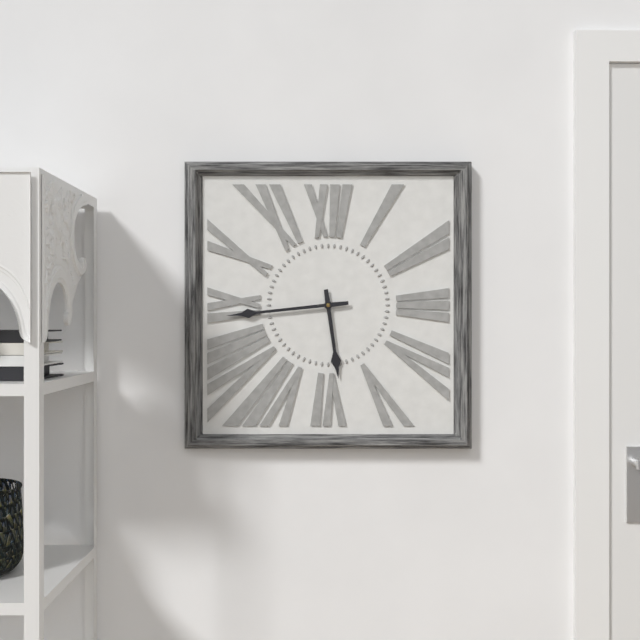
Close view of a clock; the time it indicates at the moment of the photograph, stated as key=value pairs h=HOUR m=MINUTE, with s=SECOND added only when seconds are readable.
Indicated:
h=5 m=44
